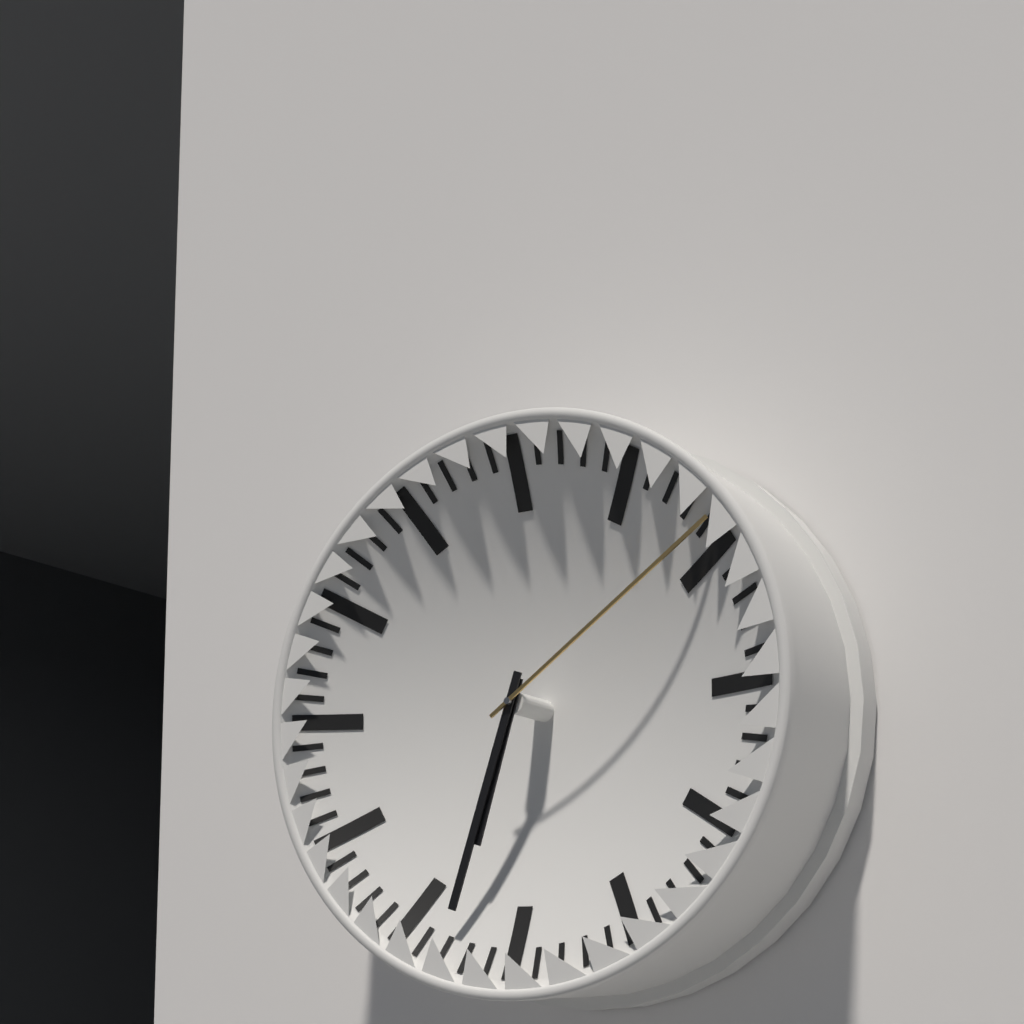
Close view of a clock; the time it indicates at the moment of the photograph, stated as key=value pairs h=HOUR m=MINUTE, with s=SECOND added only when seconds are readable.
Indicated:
h=6 m=33 s=9
